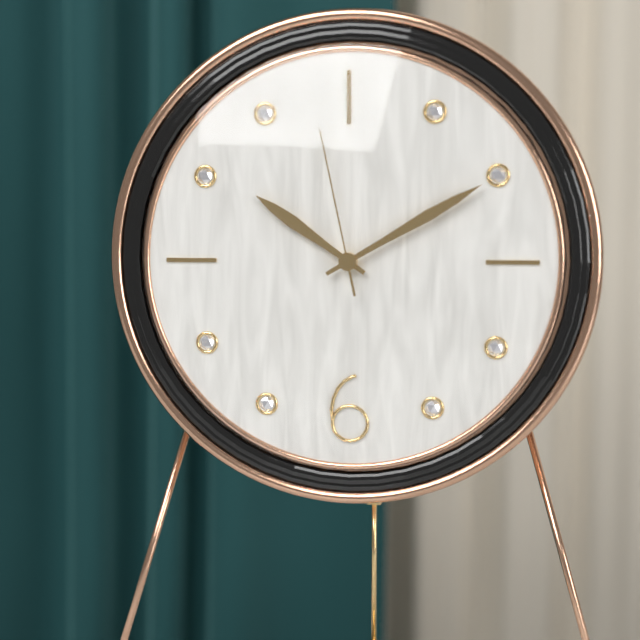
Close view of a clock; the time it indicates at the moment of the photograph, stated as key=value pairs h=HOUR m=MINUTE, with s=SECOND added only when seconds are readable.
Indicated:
h=10 m=10 s=58
